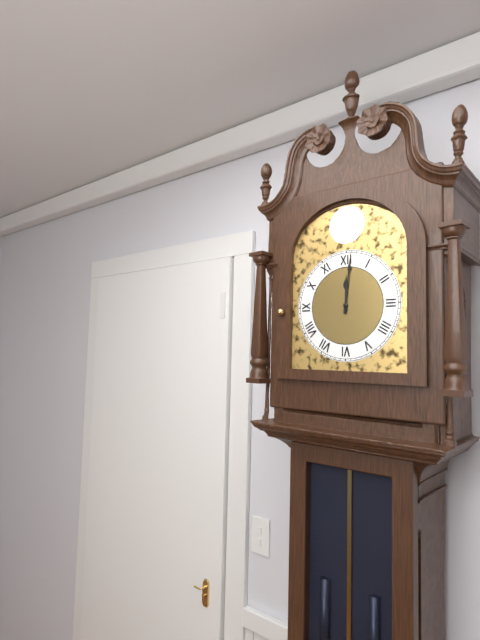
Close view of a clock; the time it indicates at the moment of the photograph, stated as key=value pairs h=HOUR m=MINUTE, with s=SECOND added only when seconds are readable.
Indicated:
h=12 m=1
